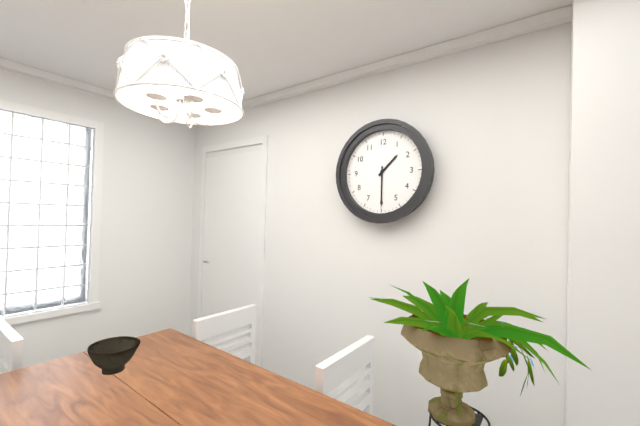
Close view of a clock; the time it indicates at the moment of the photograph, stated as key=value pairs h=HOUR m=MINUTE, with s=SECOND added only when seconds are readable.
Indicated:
h=1 m=30
